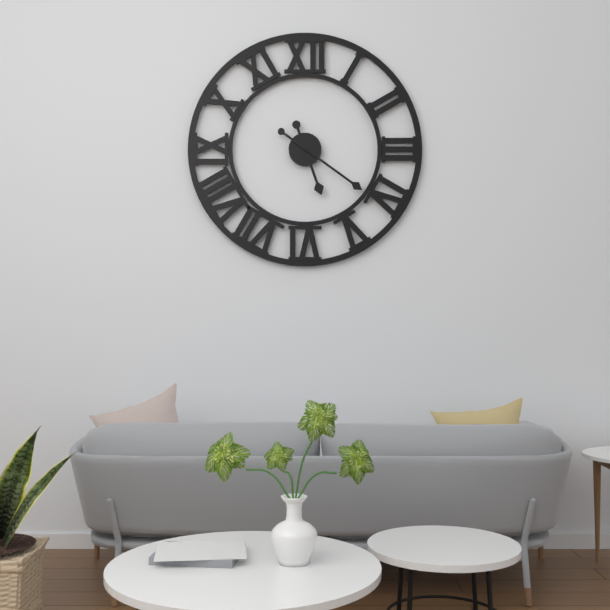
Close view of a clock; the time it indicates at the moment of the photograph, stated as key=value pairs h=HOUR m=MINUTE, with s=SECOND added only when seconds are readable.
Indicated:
h=5 m=21
